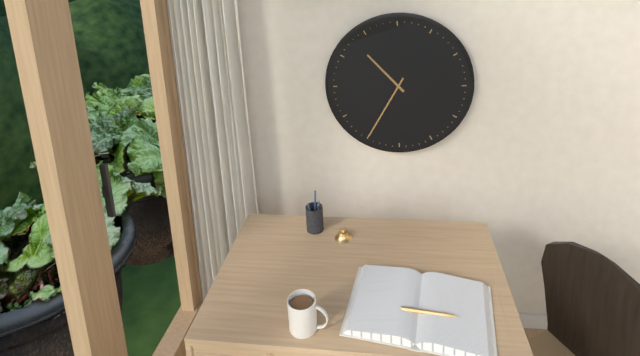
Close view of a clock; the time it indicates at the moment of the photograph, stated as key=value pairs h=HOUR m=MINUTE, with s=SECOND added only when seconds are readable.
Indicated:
h=10 m=35
